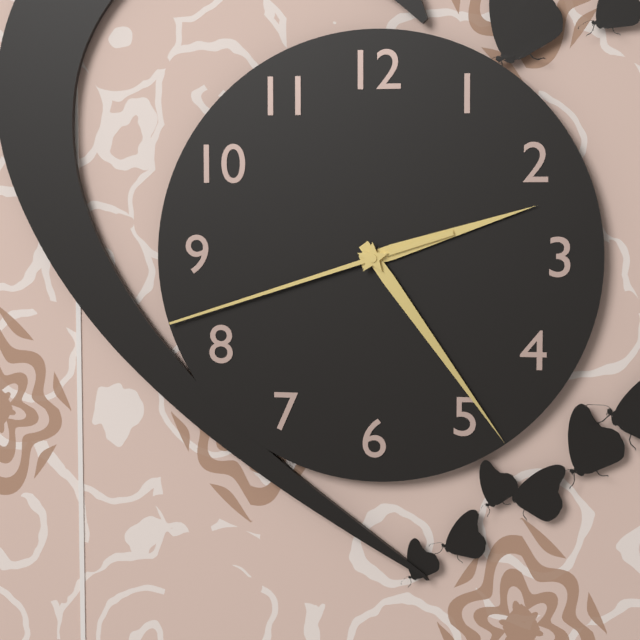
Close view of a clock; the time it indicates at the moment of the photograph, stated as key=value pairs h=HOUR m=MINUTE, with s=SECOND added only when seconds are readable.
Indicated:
h=2 m=24 s=42
